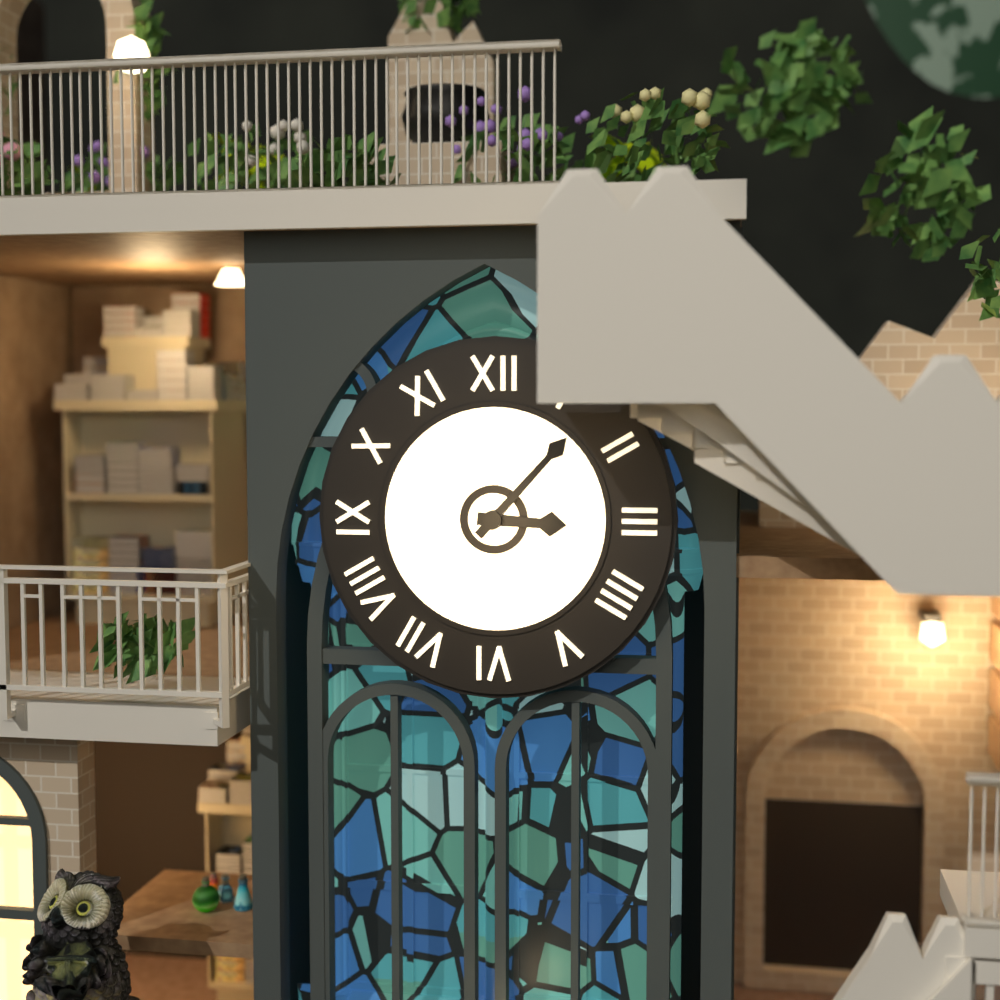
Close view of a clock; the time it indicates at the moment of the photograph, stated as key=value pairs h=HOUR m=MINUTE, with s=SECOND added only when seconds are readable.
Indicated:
h=3 m=7
